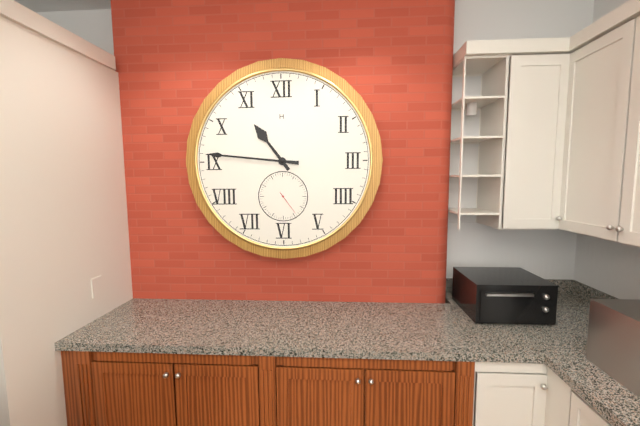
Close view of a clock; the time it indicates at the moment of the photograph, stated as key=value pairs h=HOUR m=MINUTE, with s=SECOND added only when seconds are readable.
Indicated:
h=10 m=46
